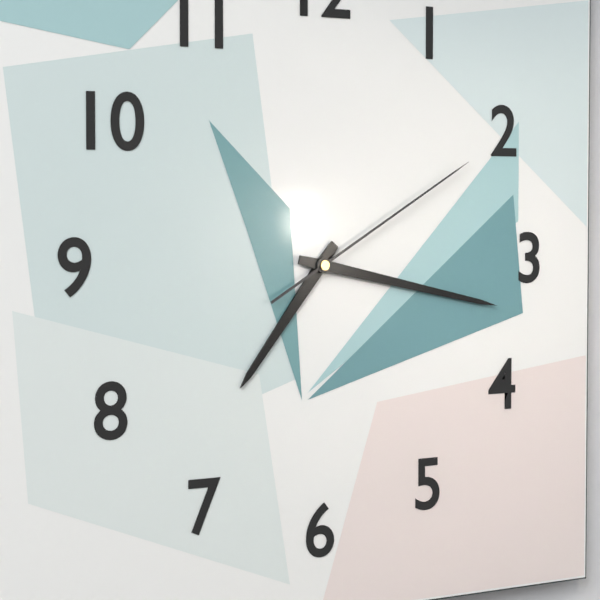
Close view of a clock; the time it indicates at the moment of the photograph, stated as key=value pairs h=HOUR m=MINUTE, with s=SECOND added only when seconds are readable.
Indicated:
h=7 m=17 s=10
